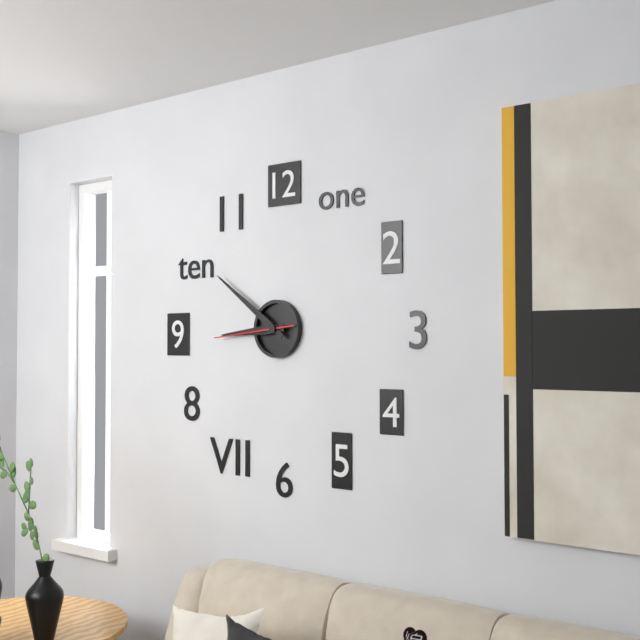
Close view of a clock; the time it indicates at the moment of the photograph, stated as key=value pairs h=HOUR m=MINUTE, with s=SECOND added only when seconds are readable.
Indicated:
h=8 m=51 s=44
